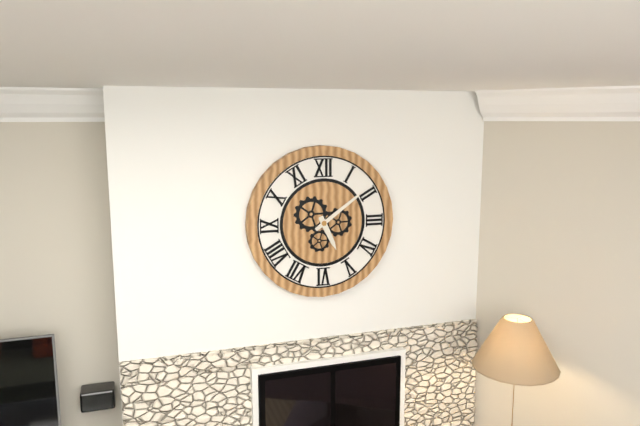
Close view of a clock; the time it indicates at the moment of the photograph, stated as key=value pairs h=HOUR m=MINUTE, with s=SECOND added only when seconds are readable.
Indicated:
h=5 m=9
